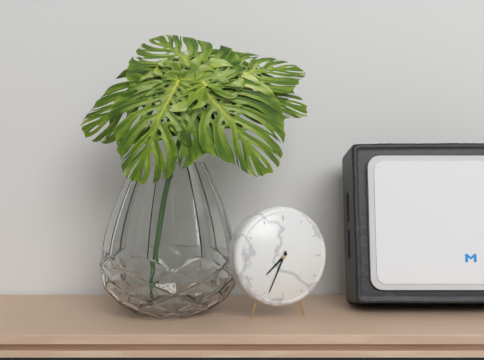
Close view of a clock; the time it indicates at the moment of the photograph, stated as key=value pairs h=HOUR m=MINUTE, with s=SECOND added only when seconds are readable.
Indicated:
h=7 m=34
